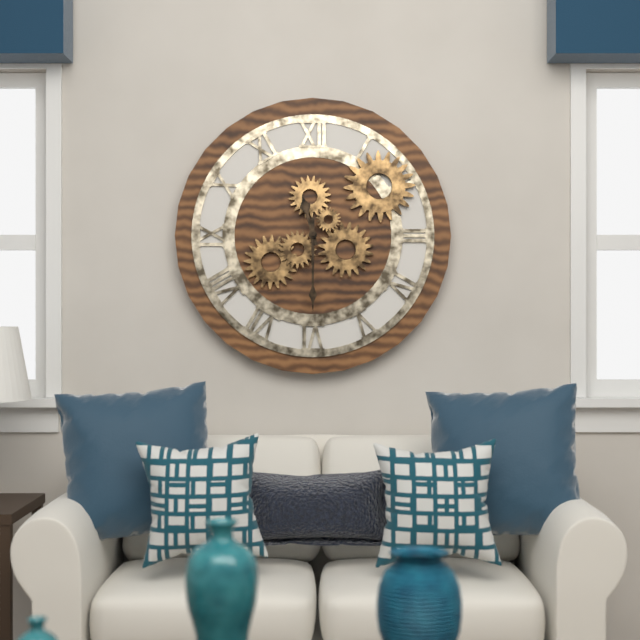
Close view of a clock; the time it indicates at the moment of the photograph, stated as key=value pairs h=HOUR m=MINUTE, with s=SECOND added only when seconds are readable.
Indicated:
h=11 m=30
